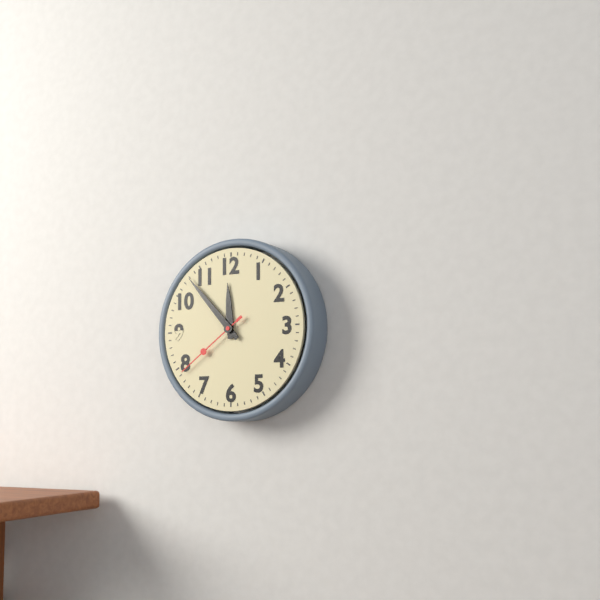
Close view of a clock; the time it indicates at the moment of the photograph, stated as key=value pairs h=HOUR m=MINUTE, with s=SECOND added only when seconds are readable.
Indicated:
h=11 m=53 s=39
